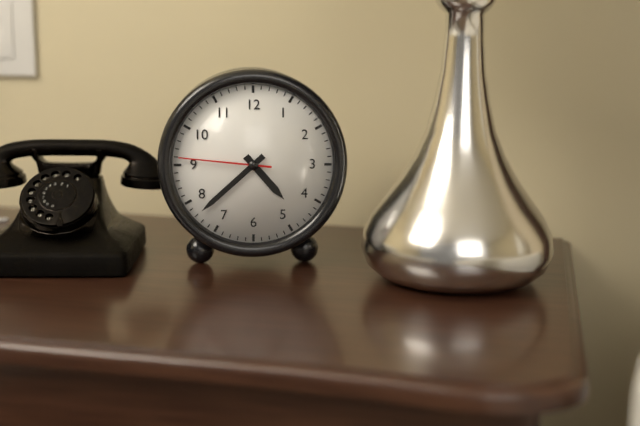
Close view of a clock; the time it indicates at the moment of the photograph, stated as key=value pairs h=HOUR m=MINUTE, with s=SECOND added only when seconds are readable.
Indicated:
h=4 m=38 s=46
